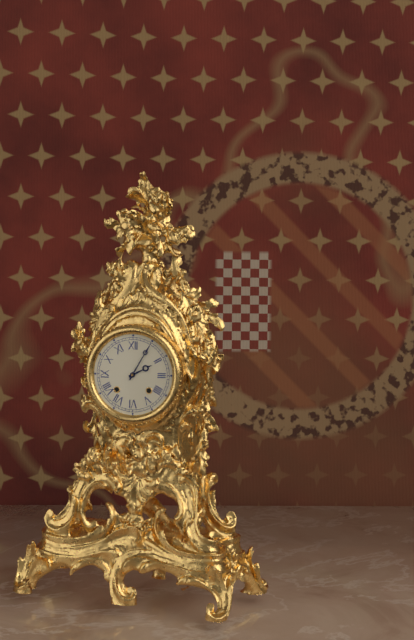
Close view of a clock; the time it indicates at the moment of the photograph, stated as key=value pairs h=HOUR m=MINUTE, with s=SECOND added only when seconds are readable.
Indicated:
h=2 m=5
